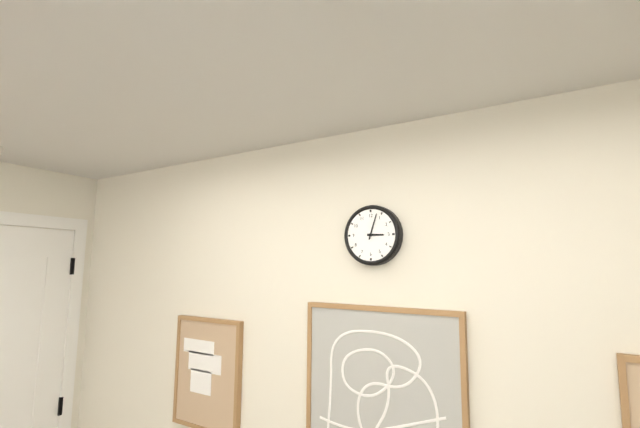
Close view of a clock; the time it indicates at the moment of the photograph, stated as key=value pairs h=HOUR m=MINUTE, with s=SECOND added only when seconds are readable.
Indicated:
h=3 m=3
